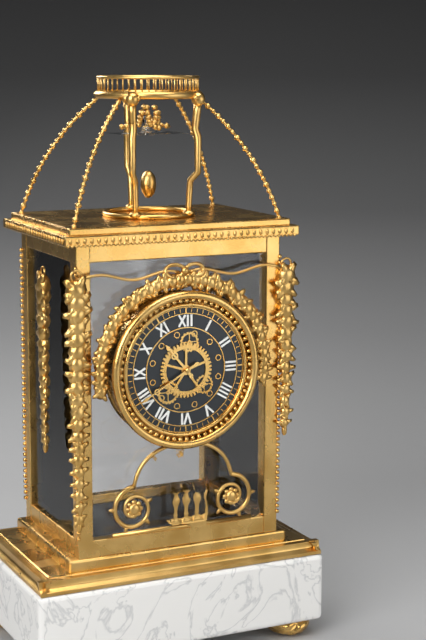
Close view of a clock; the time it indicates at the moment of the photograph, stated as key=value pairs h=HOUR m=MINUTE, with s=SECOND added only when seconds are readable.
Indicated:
h=10 m=40
